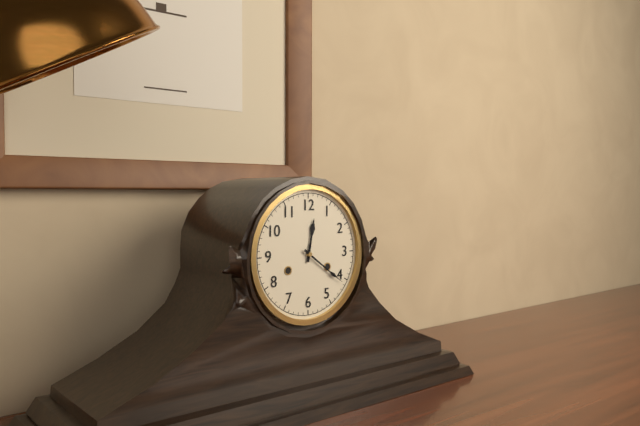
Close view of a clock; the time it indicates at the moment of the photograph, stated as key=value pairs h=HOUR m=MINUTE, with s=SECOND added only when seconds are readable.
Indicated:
h=12 m=21
